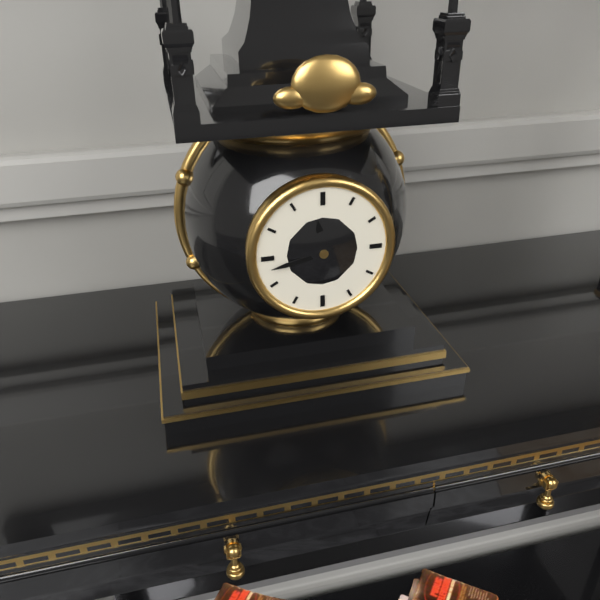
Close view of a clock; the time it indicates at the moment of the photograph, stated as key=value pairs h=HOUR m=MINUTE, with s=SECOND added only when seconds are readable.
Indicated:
h=11 m=43
